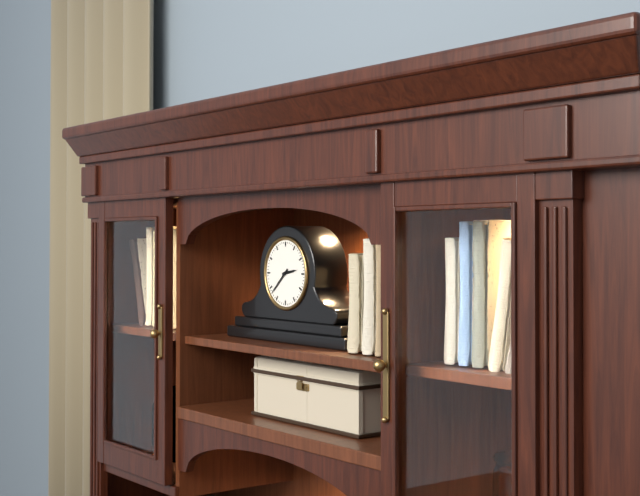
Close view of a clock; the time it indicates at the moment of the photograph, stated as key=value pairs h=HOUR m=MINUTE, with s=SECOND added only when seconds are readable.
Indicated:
h=2 m=38
